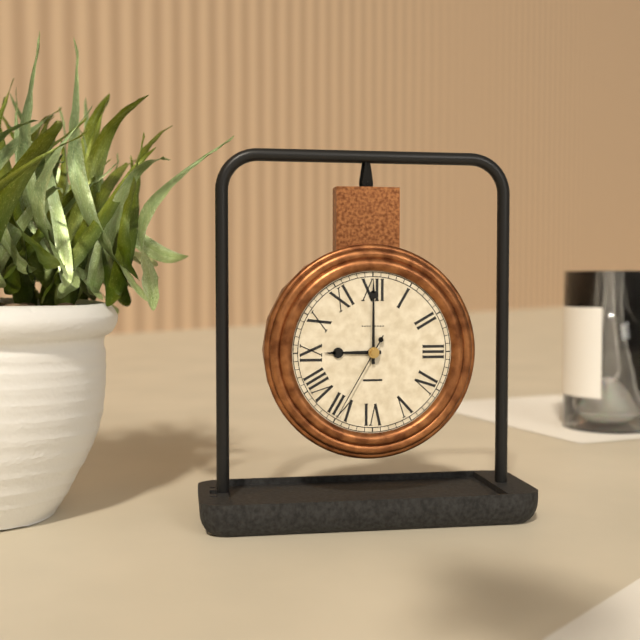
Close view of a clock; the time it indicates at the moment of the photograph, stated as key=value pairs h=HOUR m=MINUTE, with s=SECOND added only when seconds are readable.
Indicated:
h=9 m=0 s=35
